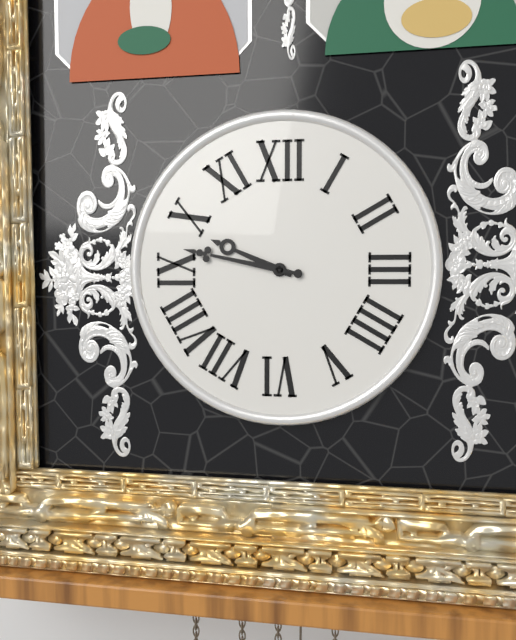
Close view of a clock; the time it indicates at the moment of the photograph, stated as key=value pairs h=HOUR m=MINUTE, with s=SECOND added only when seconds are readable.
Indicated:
h=9 m=47
